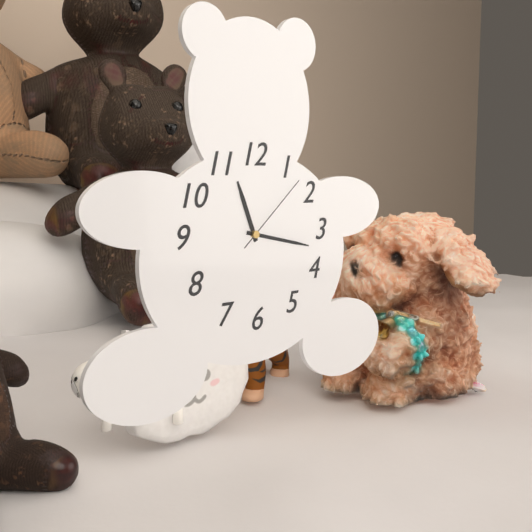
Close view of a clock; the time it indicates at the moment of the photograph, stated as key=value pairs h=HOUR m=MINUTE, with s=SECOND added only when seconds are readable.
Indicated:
h=11 m=17 s=8
